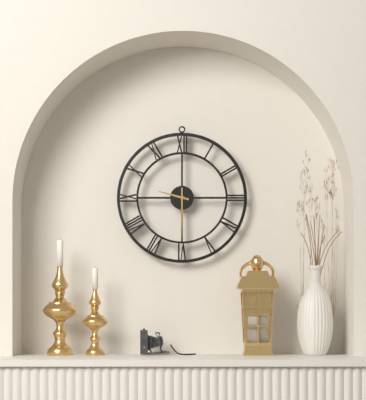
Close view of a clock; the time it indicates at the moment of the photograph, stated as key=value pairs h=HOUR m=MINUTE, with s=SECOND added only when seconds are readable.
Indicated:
h=9 m=30
